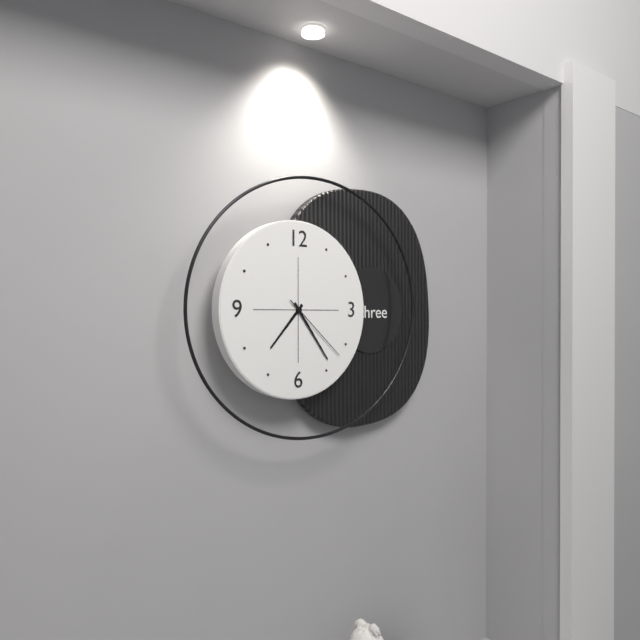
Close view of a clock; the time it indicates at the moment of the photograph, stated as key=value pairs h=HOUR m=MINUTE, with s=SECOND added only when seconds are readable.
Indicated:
h=7 m=24 s=22
